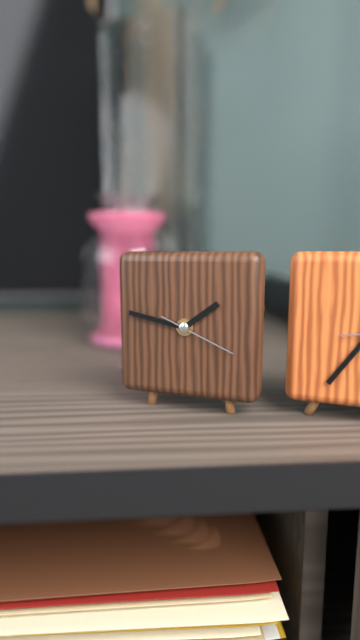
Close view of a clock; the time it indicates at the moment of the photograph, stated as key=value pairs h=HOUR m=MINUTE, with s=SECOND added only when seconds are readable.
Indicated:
h=1 m=47 s=19
